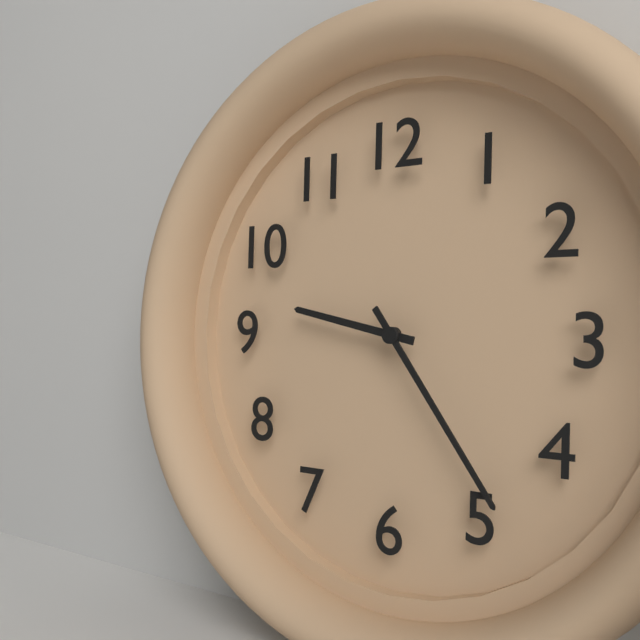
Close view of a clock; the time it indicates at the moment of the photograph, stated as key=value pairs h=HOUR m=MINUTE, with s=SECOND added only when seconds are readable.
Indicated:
h=9 m=24
